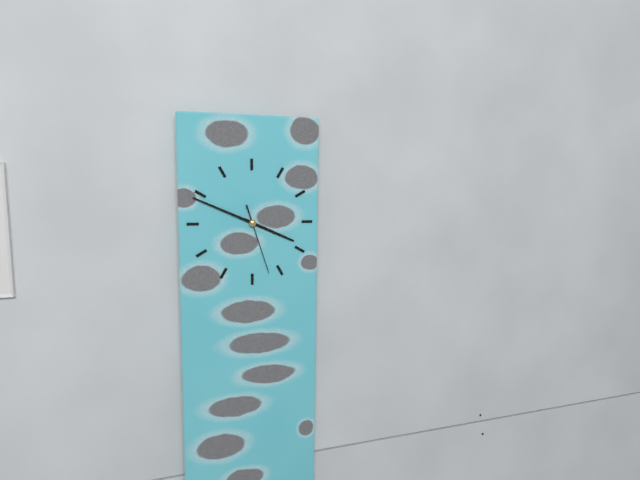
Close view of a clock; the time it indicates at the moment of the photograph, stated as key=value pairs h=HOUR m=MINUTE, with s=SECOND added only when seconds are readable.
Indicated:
h=3 m=49 s=27
